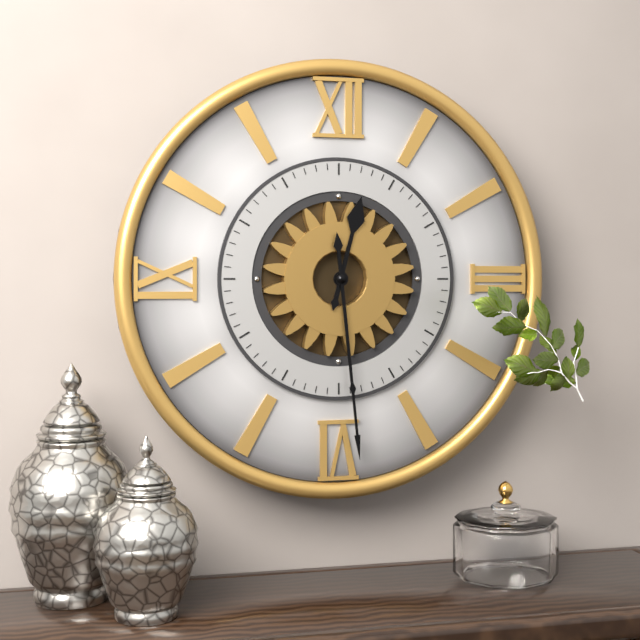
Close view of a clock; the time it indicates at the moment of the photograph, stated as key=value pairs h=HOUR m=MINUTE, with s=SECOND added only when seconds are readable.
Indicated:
h=12 m=29
